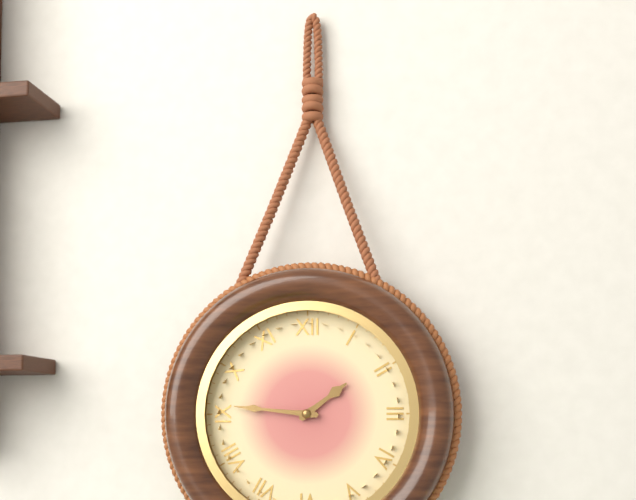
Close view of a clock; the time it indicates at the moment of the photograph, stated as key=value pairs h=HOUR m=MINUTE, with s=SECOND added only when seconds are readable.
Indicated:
h=1 m=46
